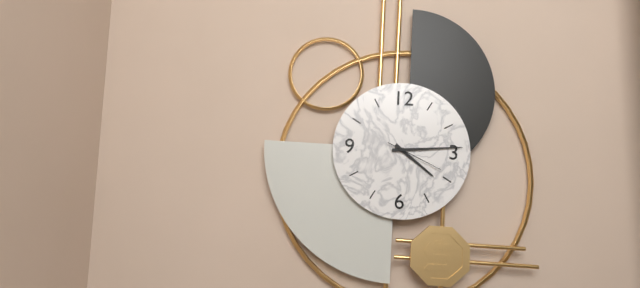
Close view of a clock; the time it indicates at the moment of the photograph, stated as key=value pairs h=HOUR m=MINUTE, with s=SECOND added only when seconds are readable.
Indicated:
h=4 m=14 s=19
